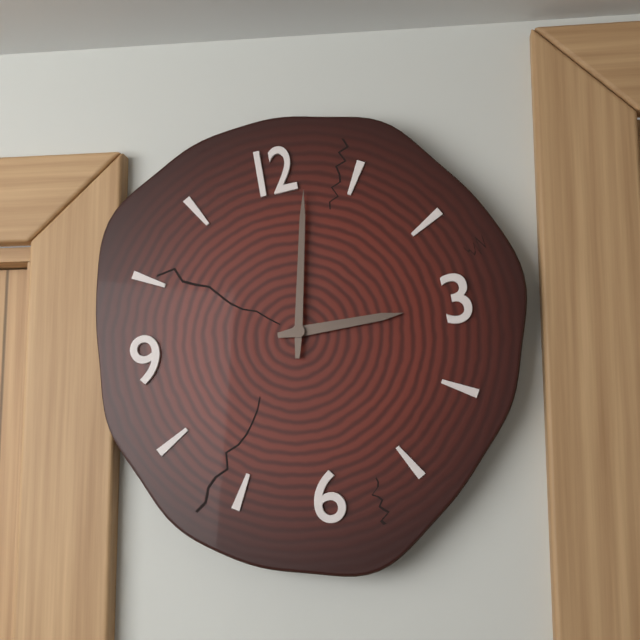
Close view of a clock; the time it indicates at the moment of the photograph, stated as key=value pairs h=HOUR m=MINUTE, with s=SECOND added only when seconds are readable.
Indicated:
h=3 m=2
